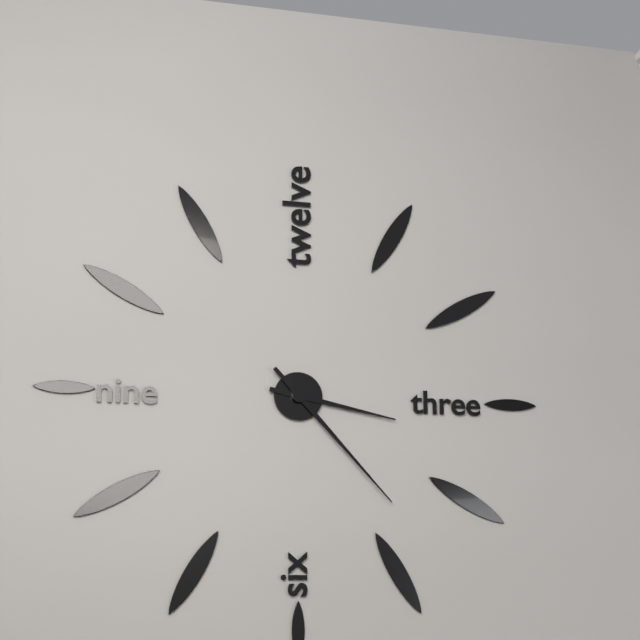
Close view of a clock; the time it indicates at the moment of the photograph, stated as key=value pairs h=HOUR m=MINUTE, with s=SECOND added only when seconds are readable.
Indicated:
h=3 m=23
